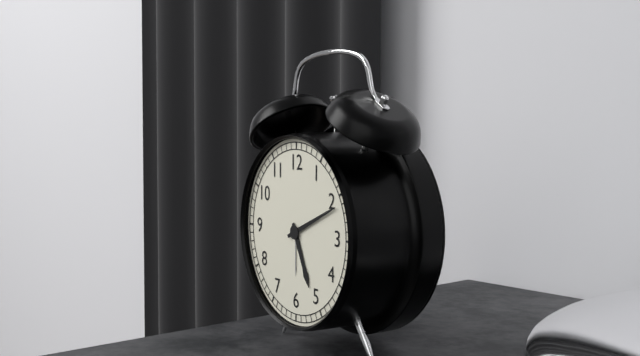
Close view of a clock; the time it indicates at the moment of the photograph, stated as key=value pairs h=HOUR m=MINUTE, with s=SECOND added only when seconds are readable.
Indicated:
h=5 m=11
